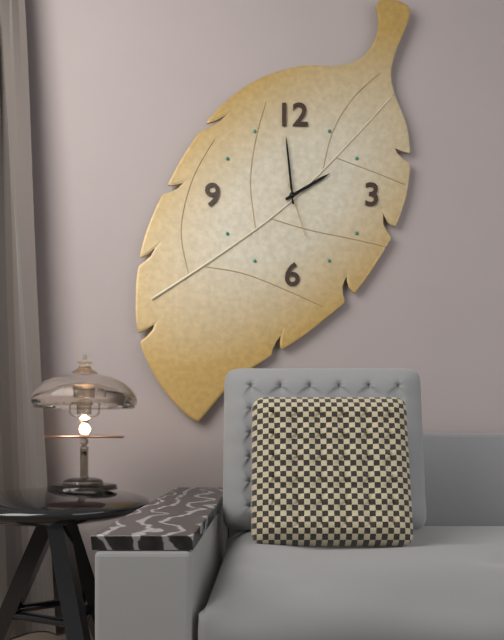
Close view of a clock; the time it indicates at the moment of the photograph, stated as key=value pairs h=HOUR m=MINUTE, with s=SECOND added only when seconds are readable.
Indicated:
h=1 m=59 s=27
